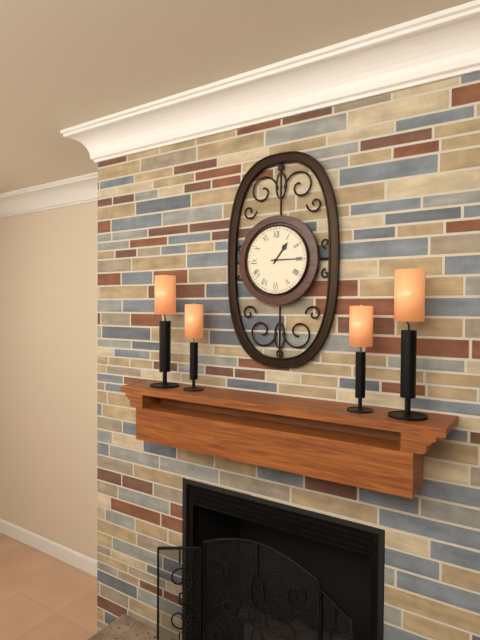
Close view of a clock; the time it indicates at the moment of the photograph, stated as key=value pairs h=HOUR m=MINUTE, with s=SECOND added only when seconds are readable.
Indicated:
h=1 m=15
